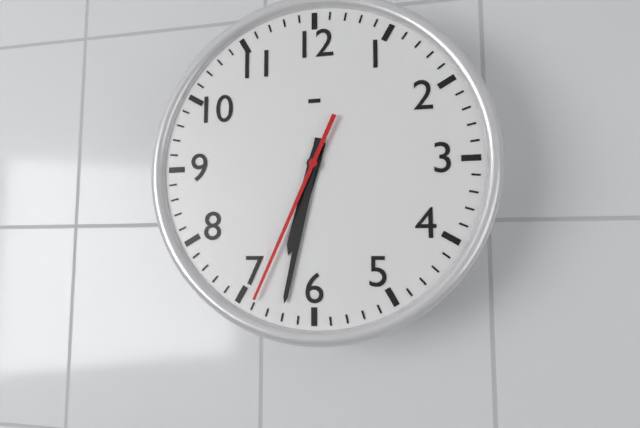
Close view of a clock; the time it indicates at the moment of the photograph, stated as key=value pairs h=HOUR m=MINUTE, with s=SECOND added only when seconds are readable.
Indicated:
h=6 m=32 s=34
